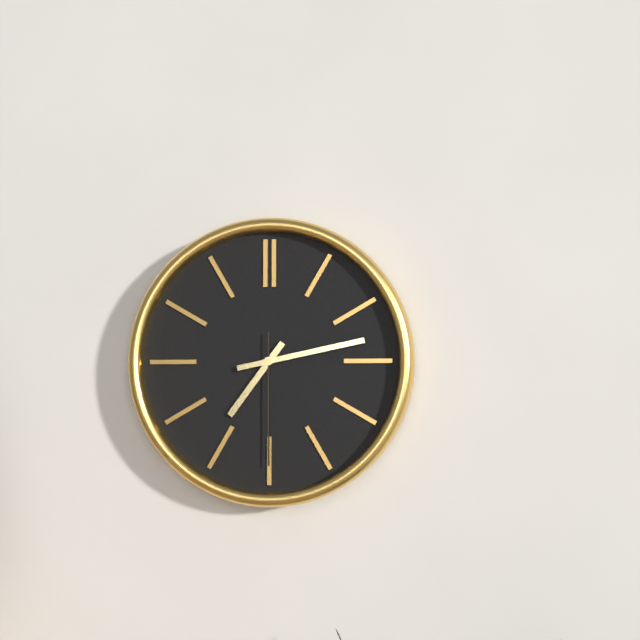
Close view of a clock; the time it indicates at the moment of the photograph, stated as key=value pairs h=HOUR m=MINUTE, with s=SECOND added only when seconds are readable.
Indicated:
h=7 m=13 s=30
